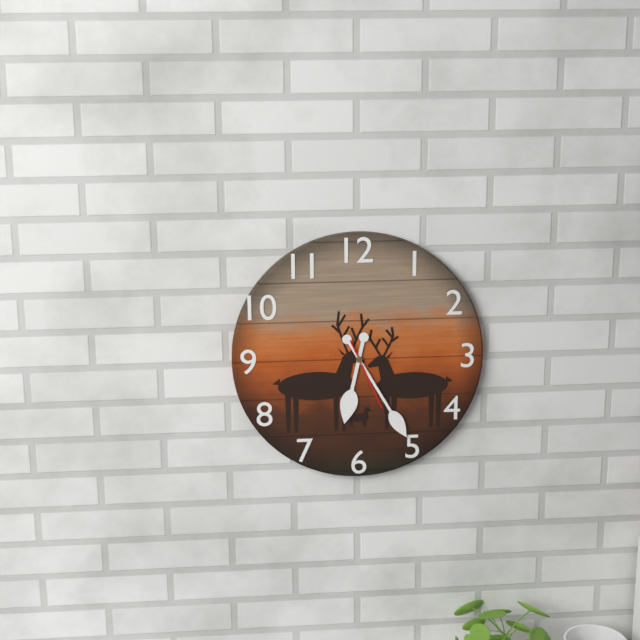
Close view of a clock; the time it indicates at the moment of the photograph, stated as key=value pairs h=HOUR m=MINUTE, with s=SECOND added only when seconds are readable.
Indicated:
h=6 m=25 s=26
